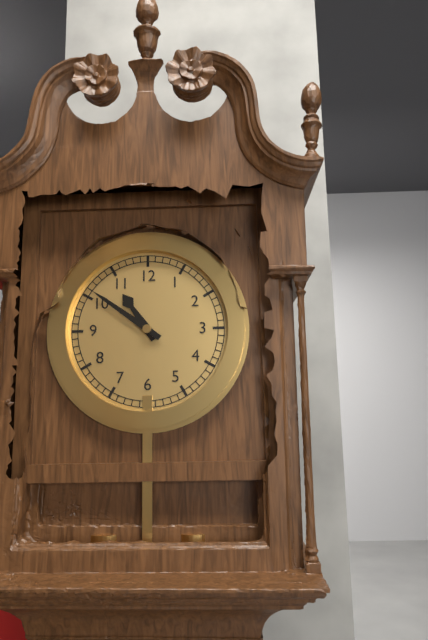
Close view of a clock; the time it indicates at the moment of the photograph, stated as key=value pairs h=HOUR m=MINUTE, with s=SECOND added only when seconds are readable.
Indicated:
h=10 m=51
